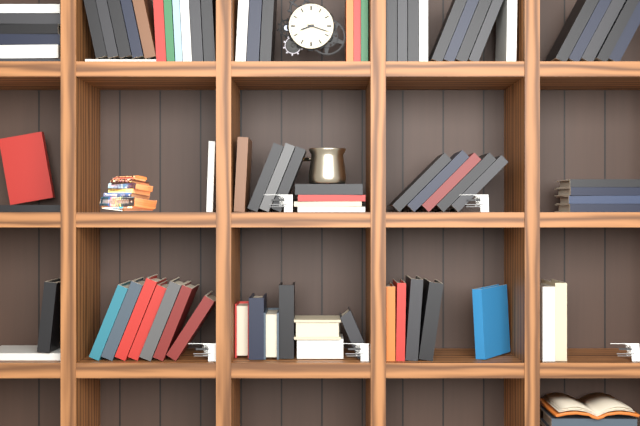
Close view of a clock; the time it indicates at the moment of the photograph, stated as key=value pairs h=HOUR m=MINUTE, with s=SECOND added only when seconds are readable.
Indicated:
h=8 m=18
